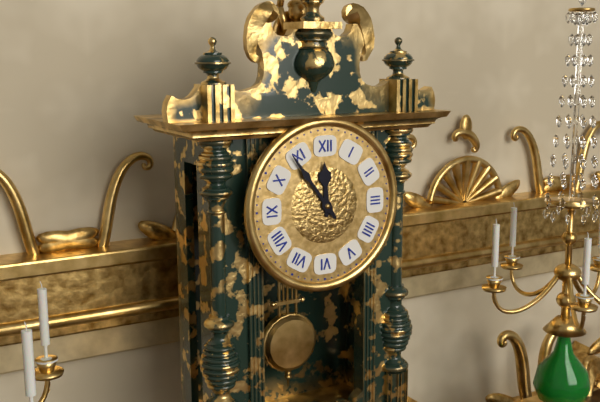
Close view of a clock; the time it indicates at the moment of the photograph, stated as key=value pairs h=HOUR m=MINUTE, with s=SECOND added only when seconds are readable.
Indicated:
h=11 m=54
